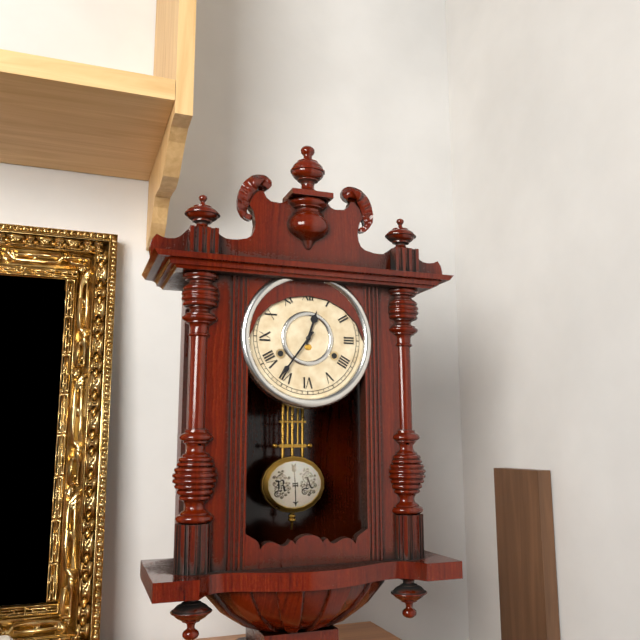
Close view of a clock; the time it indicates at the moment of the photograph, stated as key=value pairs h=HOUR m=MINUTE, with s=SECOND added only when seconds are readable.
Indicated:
h=12 m=36
